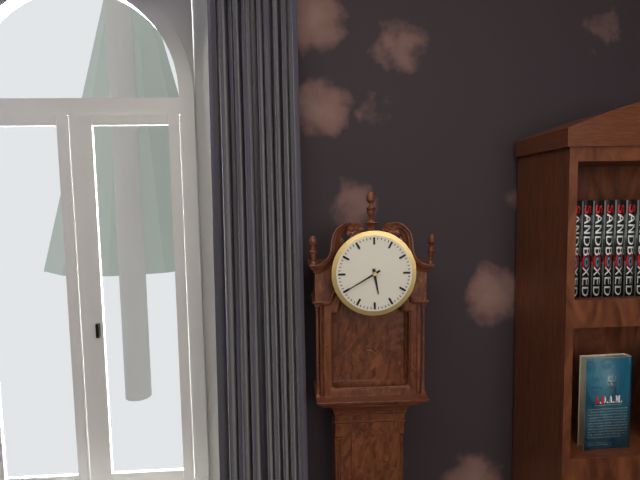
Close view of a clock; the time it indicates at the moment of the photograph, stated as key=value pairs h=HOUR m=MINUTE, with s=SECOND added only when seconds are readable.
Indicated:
h=5 m=40
